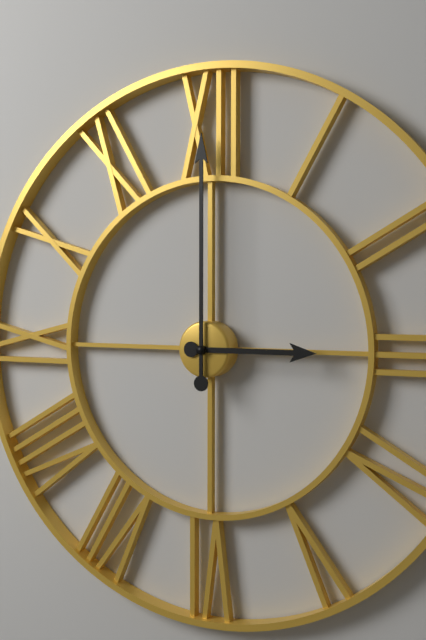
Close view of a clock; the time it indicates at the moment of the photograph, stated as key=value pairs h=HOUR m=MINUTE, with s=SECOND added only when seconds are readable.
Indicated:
h=3 m=0
